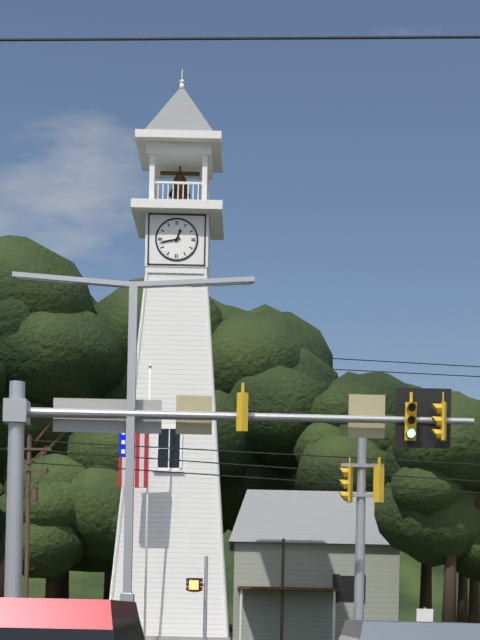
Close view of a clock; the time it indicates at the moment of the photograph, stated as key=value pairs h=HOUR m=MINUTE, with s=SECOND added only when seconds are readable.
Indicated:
h=12 m=43
